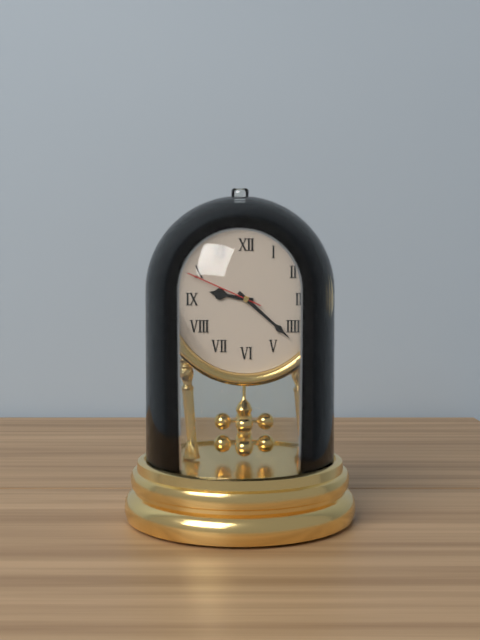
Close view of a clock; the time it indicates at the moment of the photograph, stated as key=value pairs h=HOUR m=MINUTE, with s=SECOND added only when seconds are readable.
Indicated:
h=9 m=22 s=49
